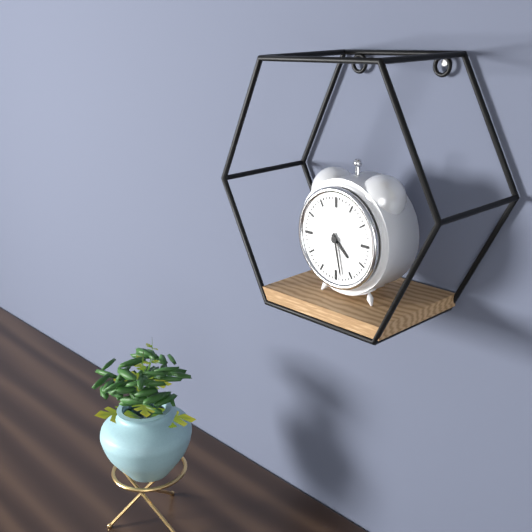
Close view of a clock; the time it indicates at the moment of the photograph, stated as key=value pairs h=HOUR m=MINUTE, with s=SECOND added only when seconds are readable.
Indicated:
h=4 m=28
